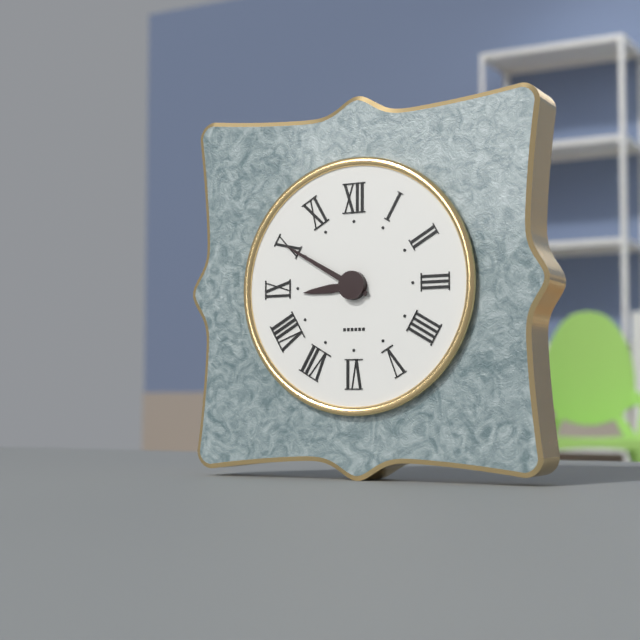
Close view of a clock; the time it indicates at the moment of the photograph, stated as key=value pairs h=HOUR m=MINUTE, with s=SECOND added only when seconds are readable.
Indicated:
h=8 m=50
